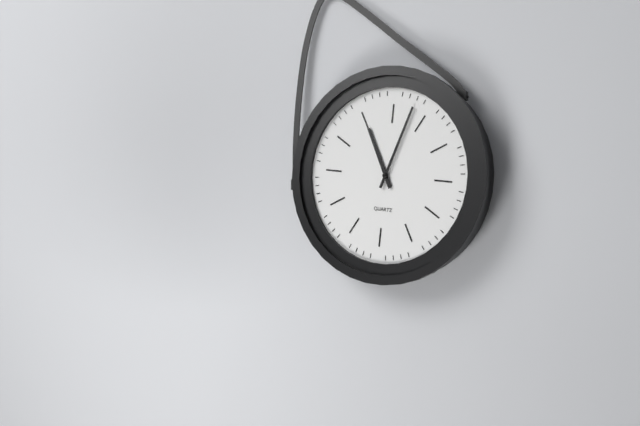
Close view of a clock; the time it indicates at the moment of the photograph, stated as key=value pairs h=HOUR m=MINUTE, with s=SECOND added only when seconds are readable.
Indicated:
h=11 m=3
